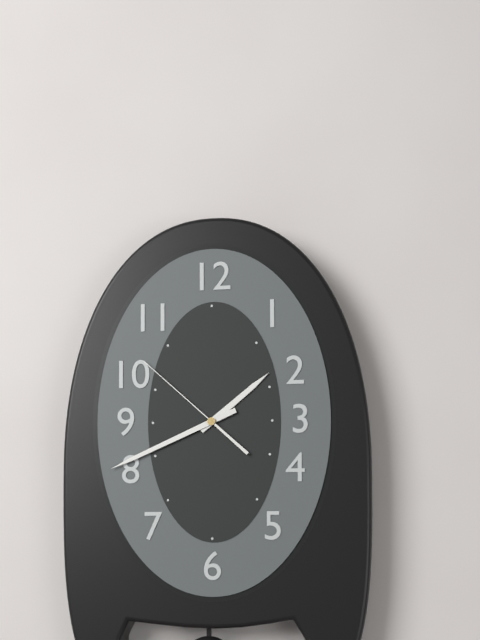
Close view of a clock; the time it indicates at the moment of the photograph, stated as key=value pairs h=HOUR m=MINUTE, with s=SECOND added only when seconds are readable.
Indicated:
h=1 m=41 s=52
